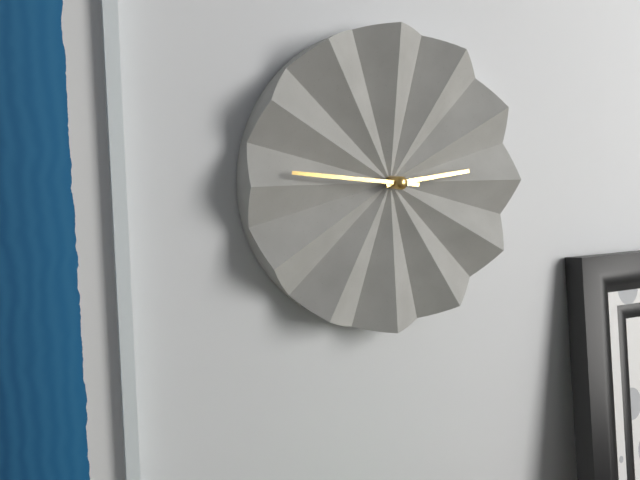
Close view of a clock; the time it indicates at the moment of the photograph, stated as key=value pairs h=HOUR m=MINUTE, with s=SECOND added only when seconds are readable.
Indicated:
h=2 m=46
